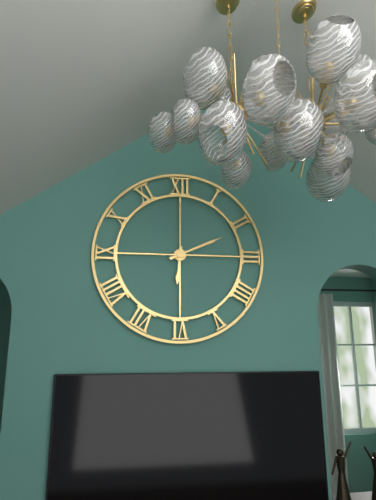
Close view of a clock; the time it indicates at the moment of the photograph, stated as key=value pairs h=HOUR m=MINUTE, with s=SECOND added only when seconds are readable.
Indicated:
h=6 m=11
